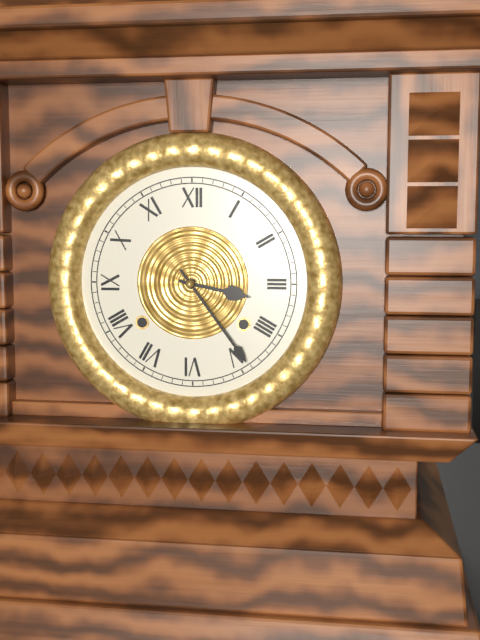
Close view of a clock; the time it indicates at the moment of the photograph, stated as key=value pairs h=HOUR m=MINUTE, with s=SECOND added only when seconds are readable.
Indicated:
h=3 m=24
